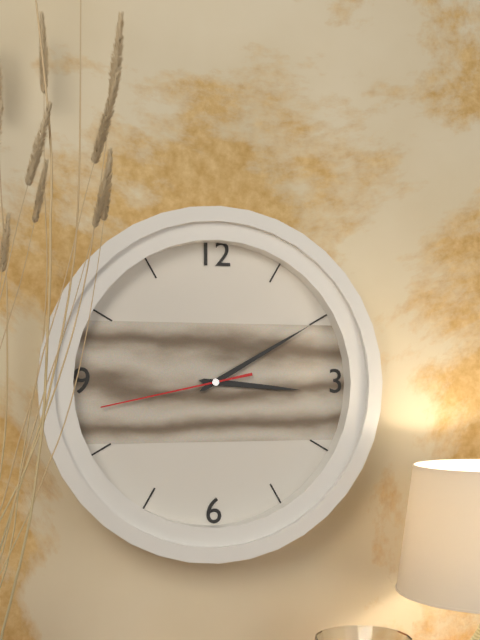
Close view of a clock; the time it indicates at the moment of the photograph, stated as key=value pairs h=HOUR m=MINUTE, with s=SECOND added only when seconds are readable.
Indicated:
h=3 m=10 s=43
